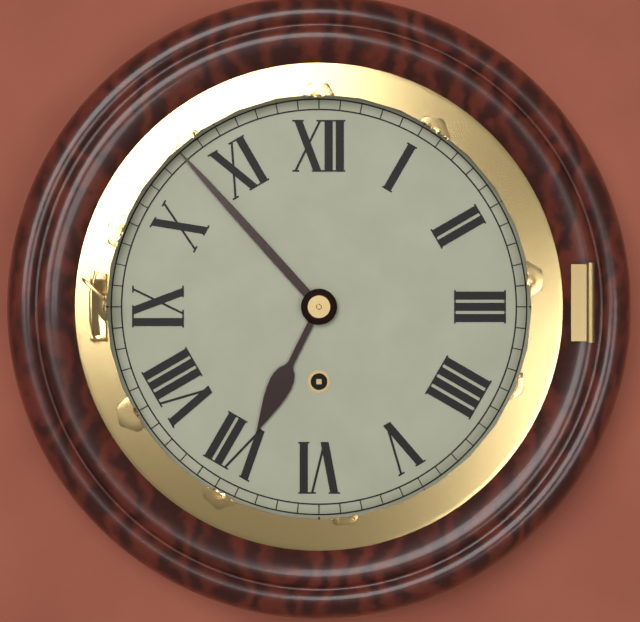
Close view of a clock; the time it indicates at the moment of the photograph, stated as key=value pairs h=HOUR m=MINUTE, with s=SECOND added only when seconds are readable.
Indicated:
h=6 m=53
